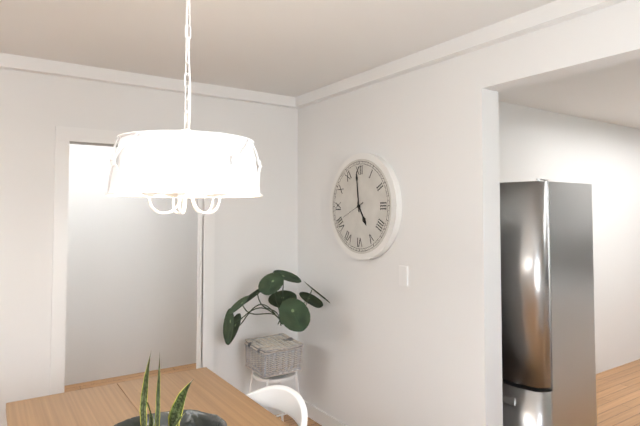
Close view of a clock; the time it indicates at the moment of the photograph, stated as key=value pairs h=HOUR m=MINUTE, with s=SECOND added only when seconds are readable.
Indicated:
h=4 m=59
